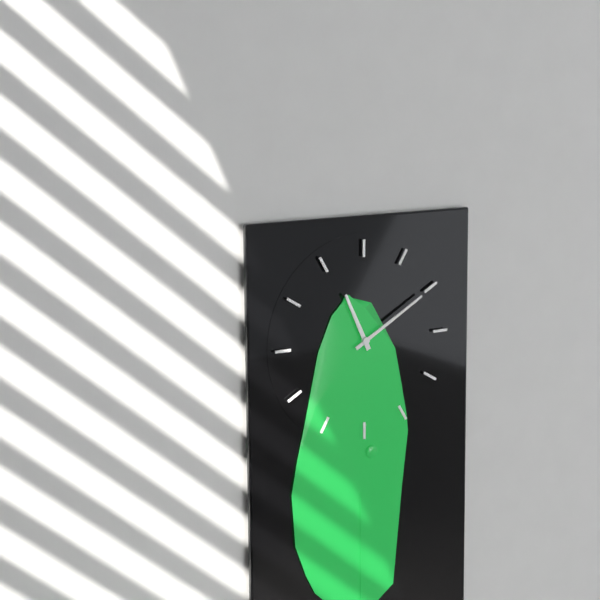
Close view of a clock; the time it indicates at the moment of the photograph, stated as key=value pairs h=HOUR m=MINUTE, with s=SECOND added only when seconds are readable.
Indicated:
h=11 m=10
